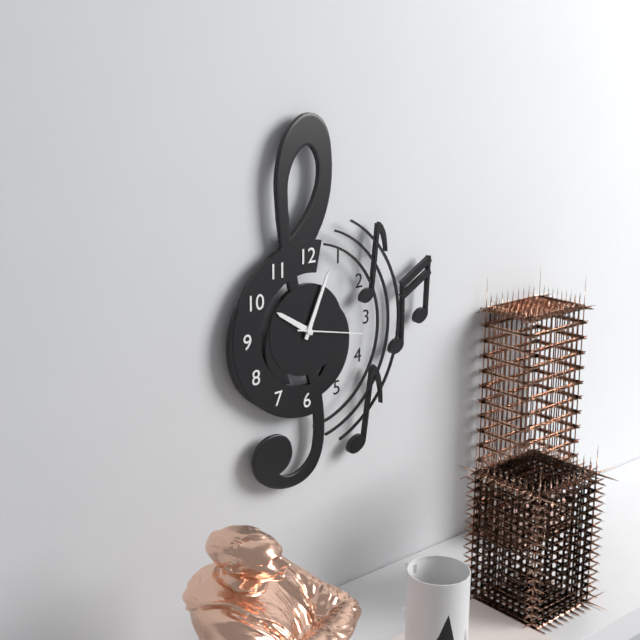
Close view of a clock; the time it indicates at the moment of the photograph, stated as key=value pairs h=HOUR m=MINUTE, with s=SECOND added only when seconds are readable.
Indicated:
h=10 m=4 s=17
